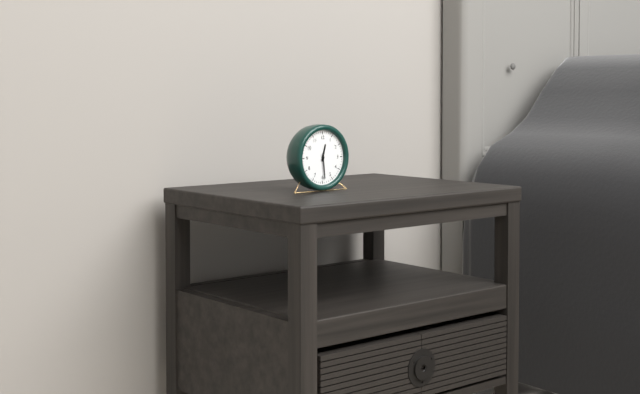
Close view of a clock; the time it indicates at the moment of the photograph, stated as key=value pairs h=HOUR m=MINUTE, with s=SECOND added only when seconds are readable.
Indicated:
h=12 m=29
